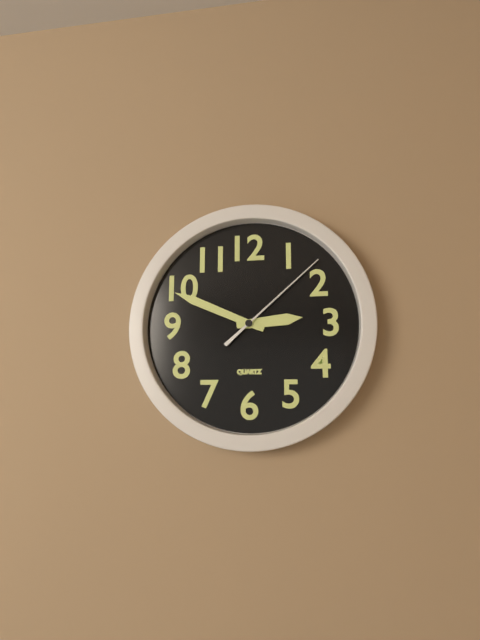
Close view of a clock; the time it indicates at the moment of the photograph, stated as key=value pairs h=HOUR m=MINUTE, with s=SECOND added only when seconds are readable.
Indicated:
h=2 m=49 s=8
